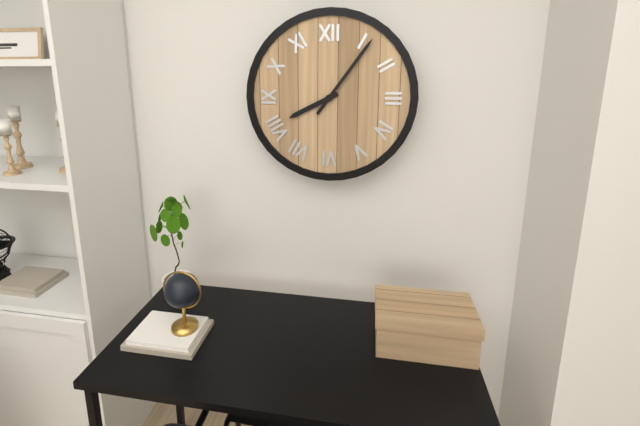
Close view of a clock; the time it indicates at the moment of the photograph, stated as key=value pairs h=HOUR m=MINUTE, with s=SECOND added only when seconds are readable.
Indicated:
h=8 m=6
